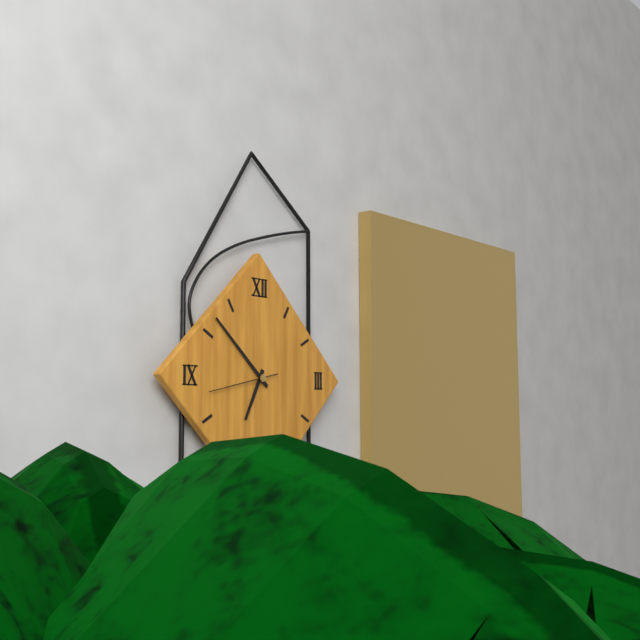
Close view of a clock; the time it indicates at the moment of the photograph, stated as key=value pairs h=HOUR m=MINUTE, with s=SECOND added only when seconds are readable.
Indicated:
h=6 m=52
